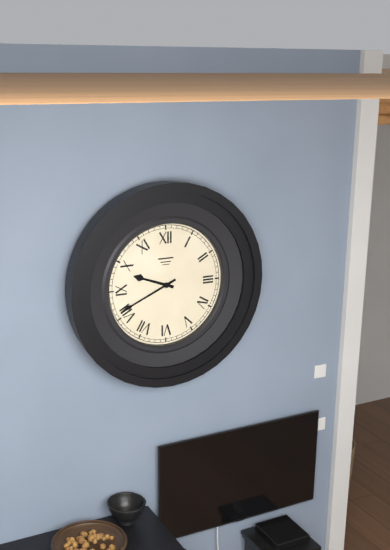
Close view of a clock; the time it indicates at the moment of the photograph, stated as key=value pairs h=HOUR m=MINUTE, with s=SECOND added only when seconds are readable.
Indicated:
h=9 m=41
